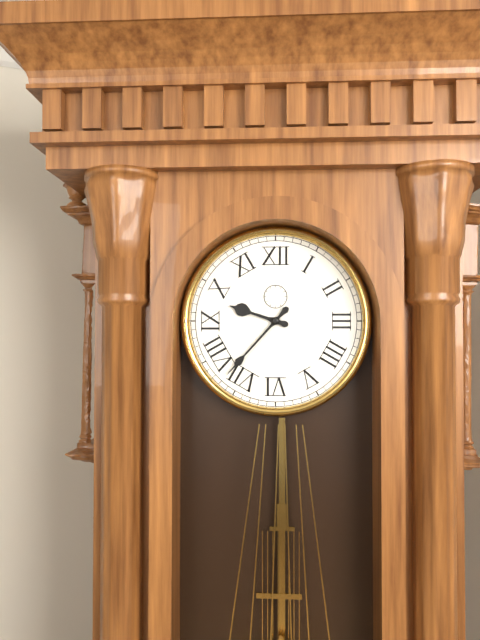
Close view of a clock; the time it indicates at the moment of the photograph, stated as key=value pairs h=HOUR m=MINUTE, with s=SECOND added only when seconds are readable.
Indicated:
h=9 m=37
